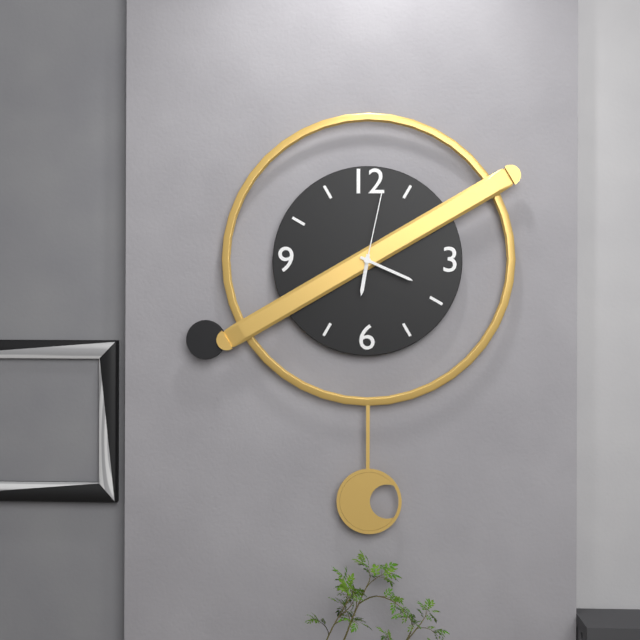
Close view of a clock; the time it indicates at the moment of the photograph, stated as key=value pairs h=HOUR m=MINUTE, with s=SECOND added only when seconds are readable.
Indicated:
h=6 m=19 s=2
